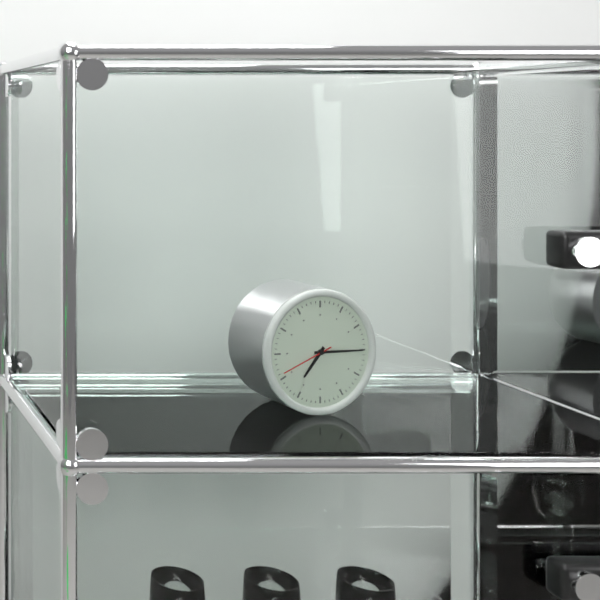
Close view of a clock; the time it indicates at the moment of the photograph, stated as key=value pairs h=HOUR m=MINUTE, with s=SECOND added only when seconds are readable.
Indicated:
h=7 m=15 s=41
